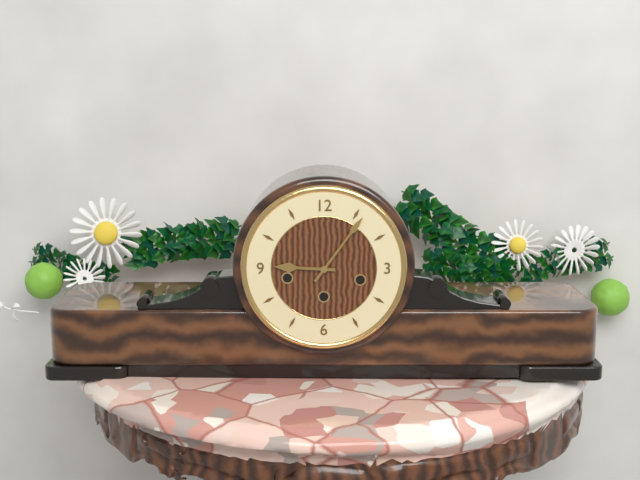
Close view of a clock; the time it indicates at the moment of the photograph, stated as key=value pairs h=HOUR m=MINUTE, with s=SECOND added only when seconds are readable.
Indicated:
h=9 m=6
